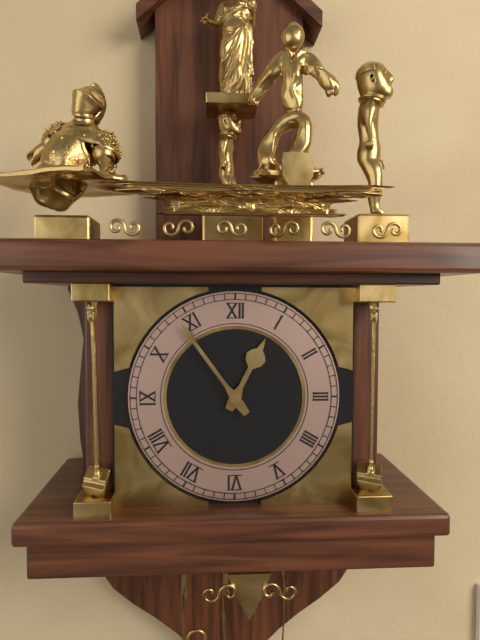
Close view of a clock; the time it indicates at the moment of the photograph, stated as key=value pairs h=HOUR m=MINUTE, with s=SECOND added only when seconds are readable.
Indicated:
h=12 m=54
